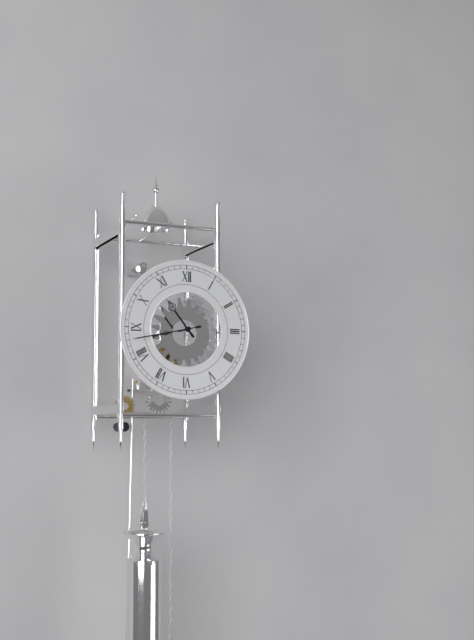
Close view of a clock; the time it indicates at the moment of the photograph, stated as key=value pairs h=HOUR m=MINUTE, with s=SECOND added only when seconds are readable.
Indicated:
h=10 m=43
